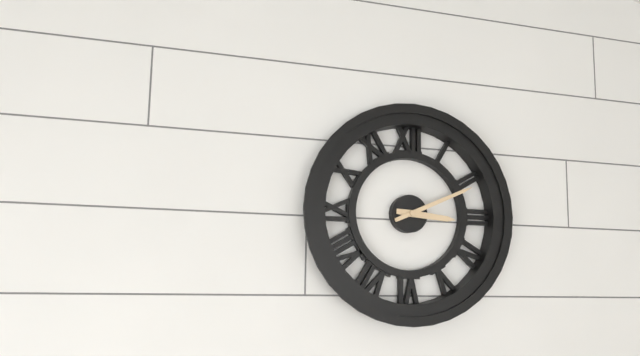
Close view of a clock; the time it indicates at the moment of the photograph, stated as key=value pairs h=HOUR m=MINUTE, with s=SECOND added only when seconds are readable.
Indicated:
h=3 m=11
